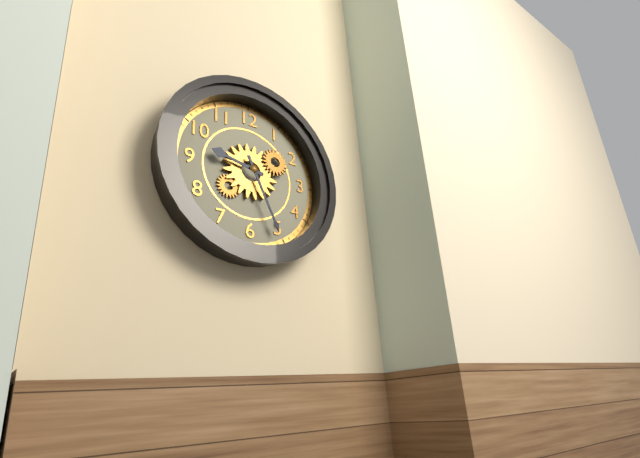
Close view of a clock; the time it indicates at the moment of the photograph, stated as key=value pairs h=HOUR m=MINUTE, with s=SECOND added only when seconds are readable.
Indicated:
h=9 m=26
